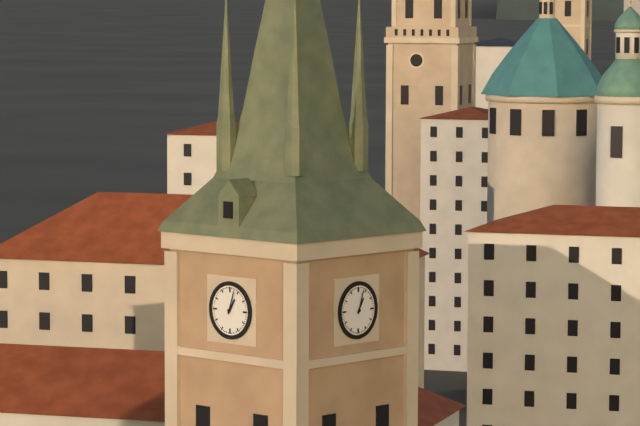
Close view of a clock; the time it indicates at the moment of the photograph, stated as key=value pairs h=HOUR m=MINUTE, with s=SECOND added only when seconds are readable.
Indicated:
h=1 m=3
